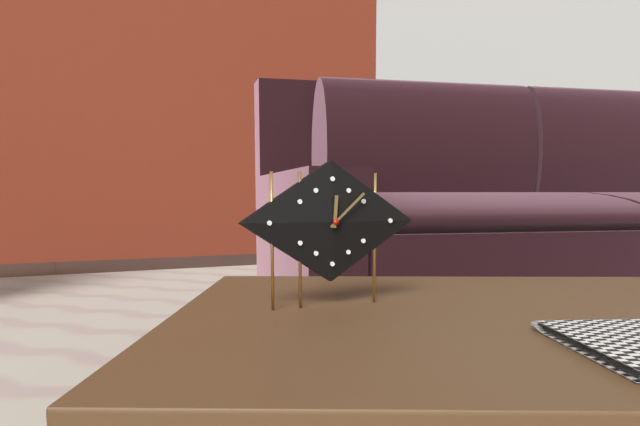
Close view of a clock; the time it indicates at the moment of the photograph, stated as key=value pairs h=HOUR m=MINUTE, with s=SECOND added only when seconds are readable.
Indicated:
h=12 m=8
